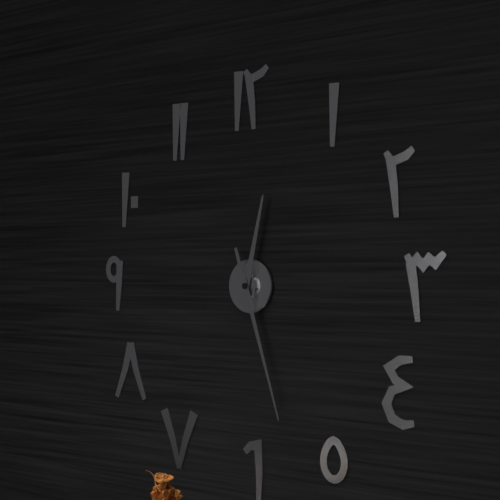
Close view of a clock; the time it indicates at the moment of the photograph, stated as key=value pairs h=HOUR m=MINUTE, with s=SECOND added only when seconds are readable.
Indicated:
h=12 m=27
